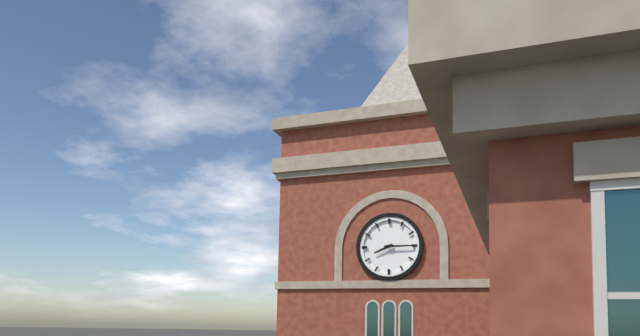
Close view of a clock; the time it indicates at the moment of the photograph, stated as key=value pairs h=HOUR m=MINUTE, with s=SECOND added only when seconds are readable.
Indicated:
h=8 m=15
